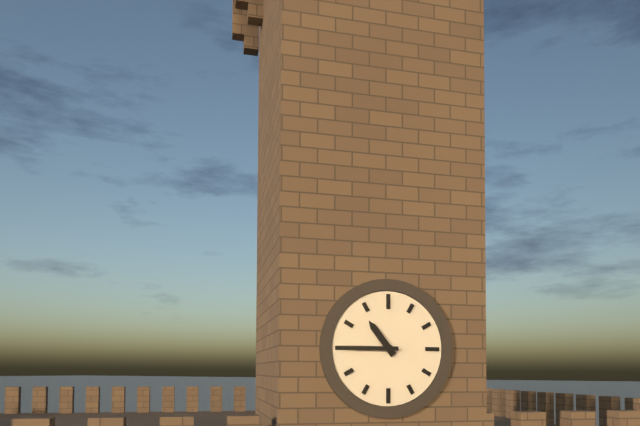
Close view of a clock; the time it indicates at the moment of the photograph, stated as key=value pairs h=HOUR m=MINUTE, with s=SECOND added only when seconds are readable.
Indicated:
h=10 m=45
